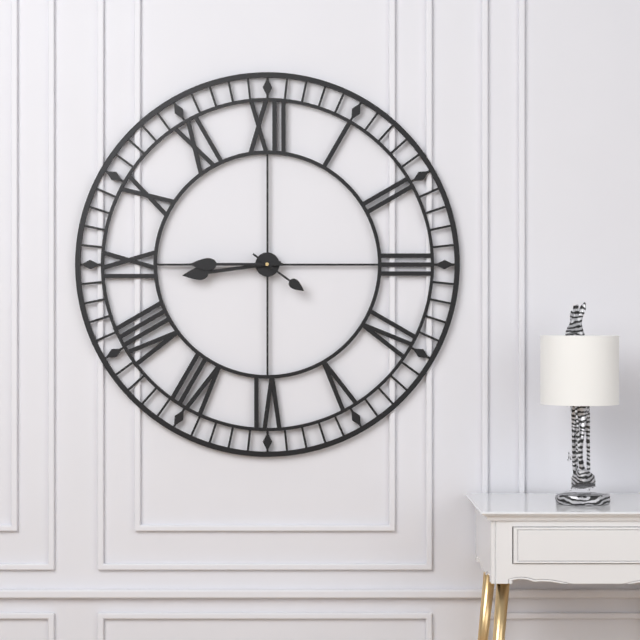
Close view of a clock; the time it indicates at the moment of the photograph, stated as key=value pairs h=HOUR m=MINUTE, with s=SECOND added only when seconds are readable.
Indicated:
h=8 m=45 s=21
